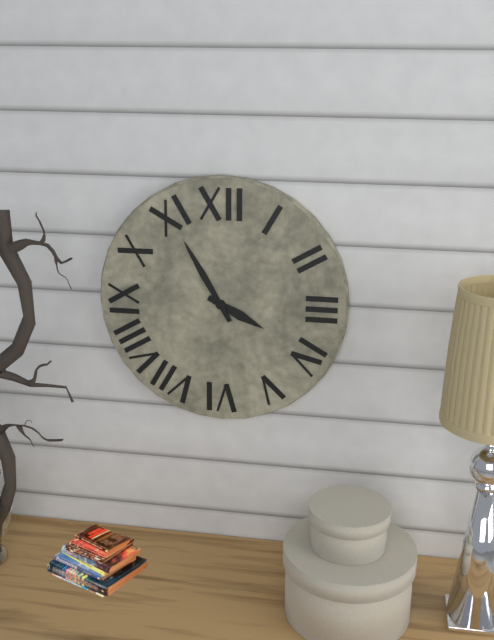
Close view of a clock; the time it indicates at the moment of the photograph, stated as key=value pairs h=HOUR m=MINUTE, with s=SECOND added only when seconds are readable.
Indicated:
h=3 m=55
